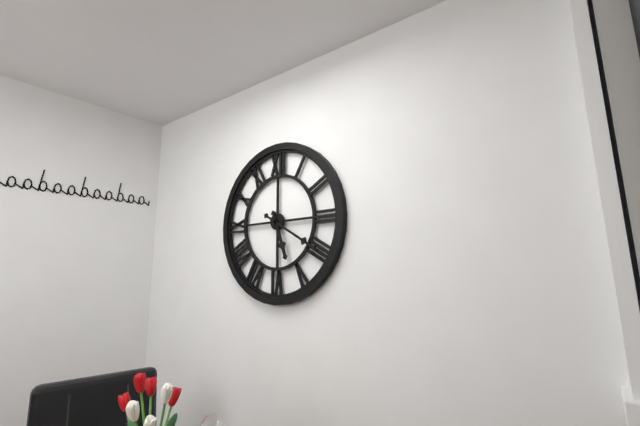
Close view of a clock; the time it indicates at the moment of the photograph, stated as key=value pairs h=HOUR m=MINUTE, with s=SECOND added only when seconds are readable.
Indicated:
h=5 m=20
